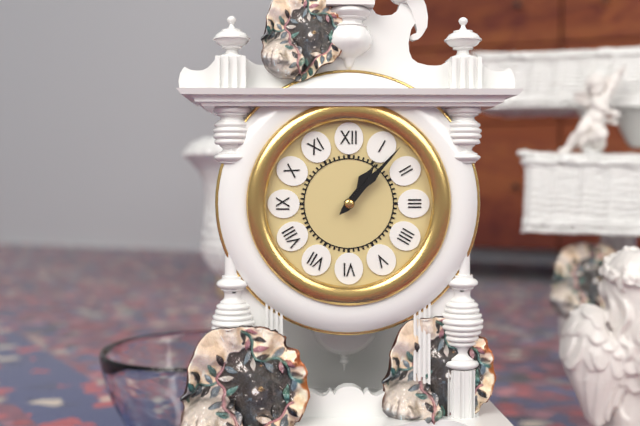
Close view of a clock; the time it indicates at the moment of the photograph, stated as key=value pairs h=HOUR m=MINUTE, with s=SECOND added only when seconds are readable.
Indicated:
h=1 m=7
